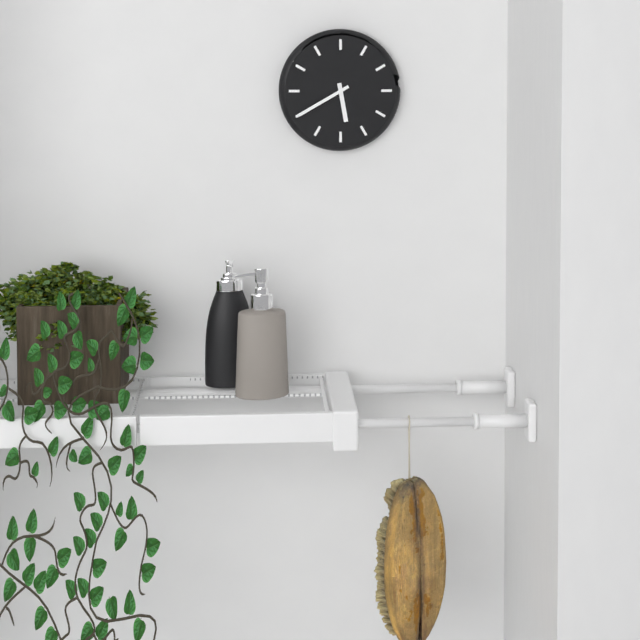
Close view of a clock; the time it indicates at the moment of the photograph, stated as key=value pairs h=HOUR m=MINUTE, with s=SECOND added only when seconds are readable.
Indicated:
h=5 m=40
